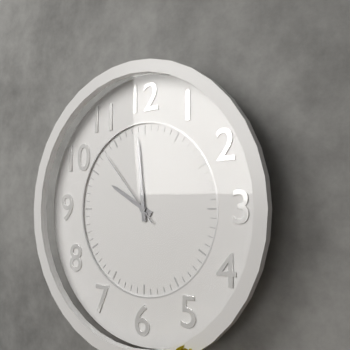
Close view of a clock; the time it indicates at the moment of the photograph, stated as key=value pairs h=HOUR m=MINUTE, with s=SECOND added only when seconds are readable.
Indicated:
h=9 m=59 s=53
